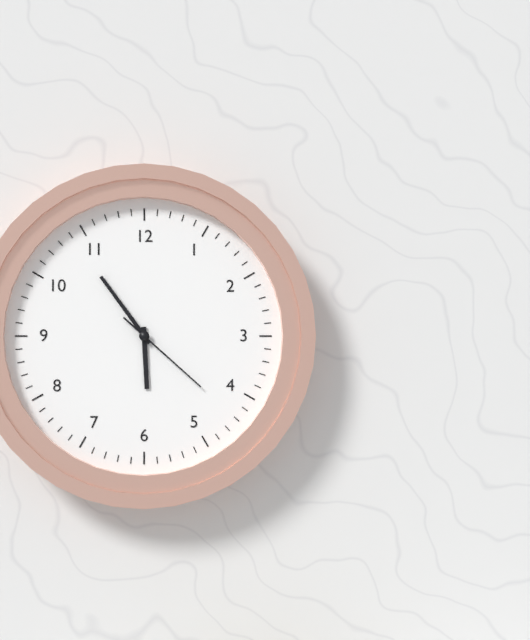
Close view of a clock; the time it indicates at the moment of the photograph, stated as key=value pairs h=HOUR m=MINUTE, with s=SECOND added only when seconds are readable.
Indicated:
h=5 m=54 s=22
